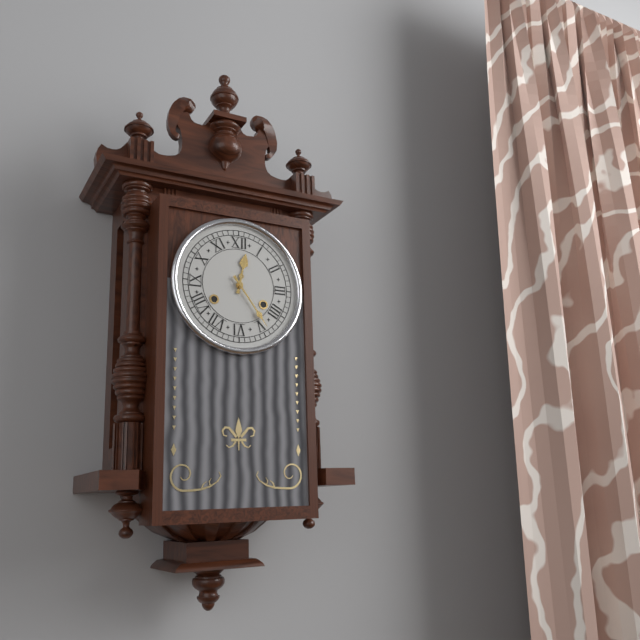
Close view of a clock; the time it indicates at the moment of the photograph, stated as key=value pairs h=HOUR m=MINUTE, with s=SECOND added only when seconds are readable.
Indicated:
h=12 m=24
